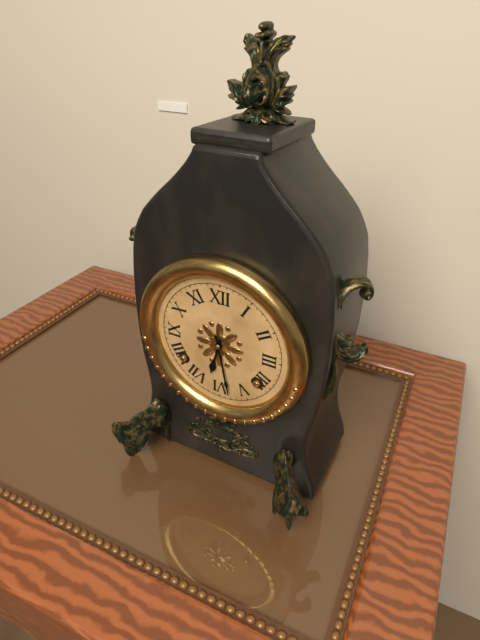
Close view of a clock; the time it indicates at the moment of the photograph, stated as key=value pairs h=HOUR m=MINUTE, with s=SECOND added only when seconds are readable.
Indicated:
h=6 m=28
